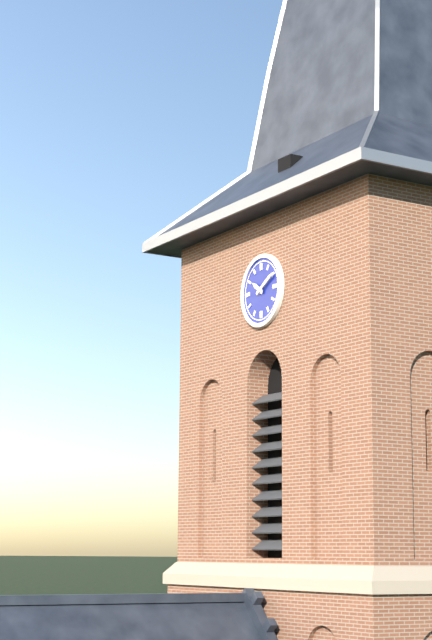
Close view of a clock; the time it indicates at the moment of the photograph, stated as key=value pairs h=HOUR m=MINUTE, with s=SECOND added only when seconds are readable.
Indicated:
h=10 m=10
